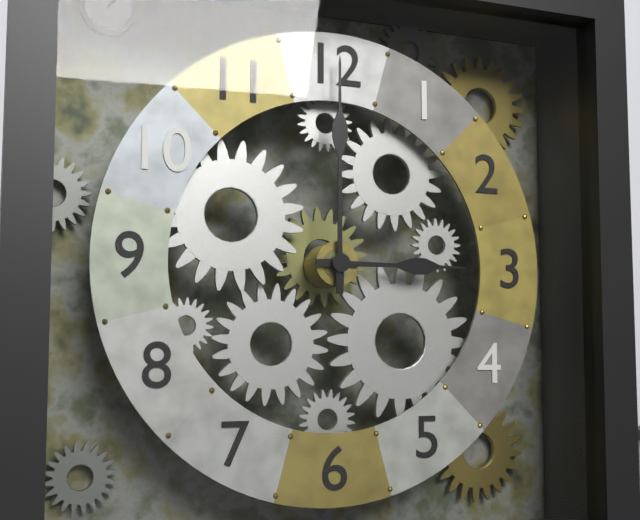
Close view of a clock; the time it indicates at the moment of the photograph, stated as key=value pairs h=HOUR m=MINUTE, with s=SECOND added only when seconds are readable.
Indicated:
h=3 m=0
